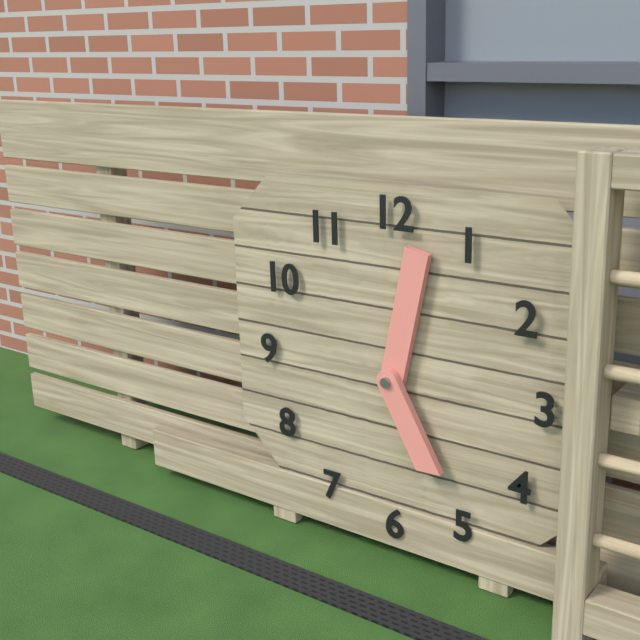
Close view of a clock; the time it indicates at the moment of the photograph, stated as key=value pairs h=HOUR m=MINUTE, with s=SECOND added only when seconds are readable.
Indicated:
h=5 m=2
